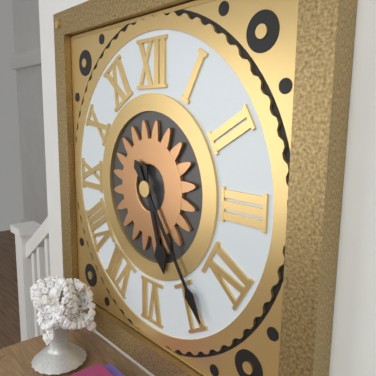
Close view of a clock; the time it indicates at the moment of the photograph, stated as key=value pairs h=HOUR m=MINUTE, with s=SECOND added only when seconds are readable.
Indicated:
h=5 m=24
